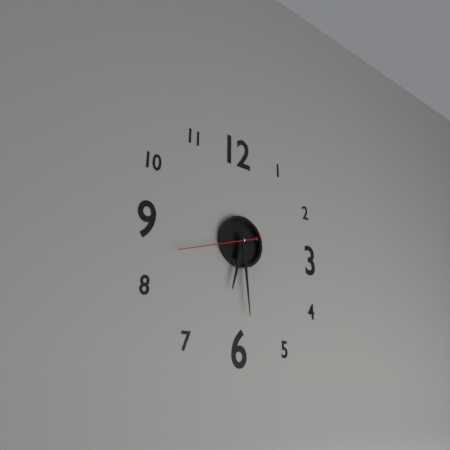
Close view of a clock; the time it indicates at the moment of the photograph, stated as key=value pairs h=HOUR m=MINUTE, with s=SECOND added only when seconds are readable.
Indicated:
h=6 m=29 s=42
